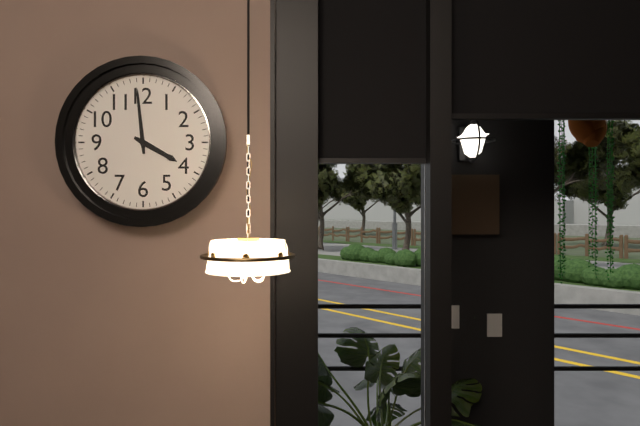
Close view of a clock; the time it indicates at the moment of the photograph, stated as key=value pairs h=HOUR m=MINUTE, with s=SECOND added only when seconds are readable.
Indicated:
h=3 m=59
